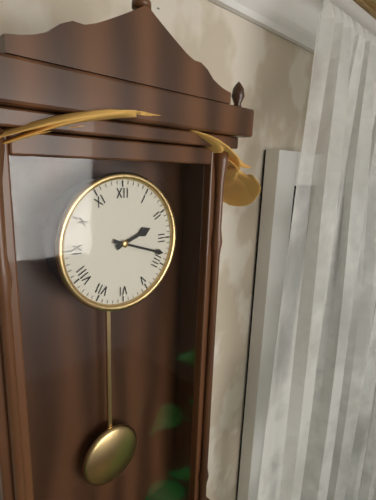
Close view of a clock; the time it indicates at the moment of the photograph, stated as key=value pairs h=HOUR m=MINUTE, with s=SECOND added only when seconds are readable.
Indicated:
h=2 m=18
